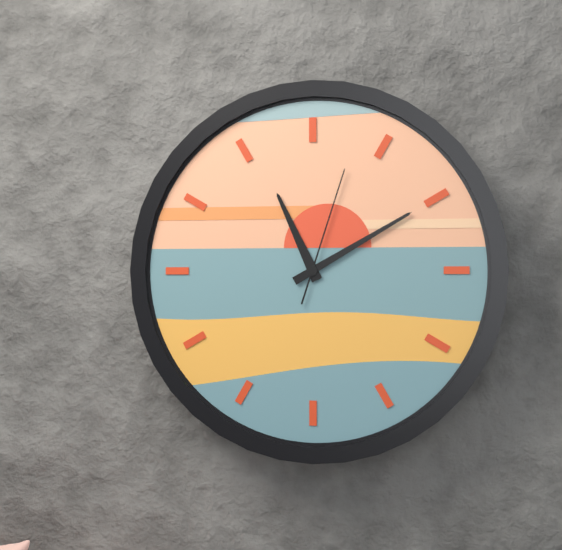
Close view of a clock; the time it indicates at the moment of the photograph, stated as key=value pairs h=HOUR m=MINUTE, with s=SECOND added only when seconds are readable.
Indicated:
h=11 m=10 s=3
